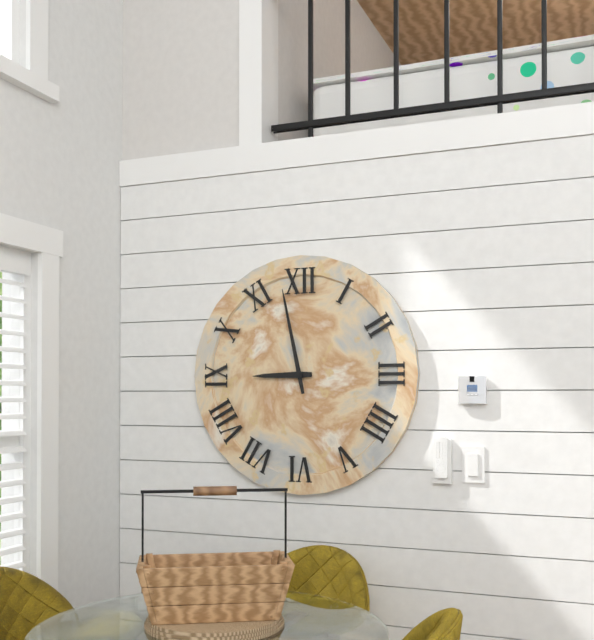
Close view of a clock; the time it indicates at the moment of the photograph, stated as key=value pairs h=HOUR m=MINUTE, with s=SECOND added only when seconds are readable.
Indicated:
h=8 m=58
